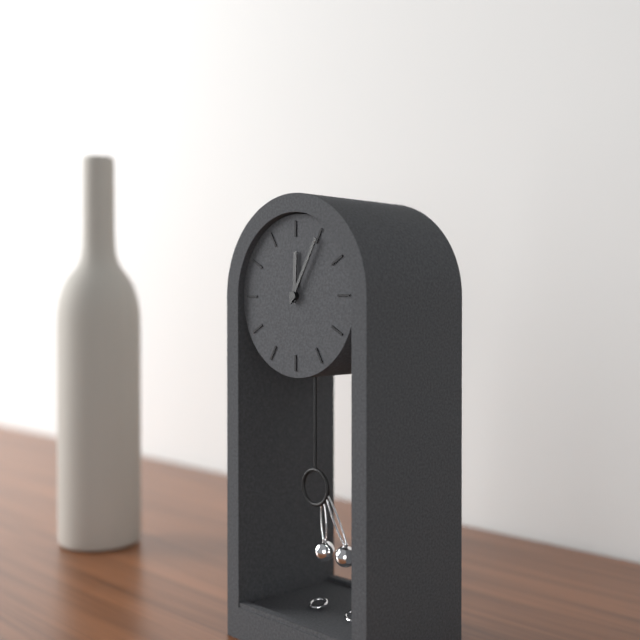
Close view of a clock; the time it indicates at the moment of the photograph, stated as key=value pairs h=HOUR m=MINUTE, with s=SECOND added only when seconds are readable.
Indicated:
h=12 m=5
